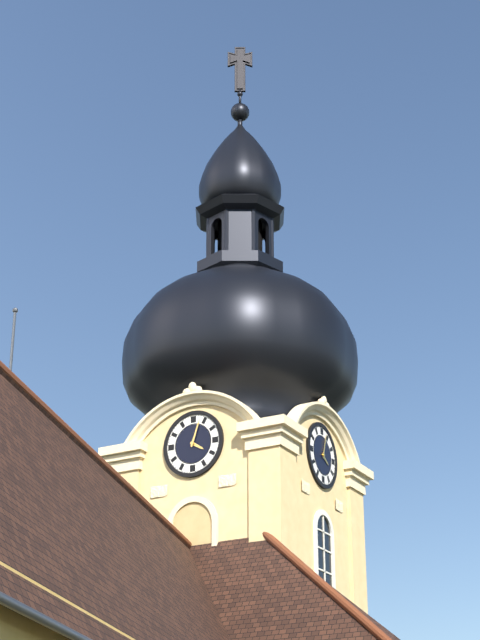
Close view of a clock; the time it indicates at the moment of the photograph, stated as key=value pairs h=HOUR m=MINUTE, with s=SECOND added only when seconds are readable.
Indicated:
h=4 m=3
